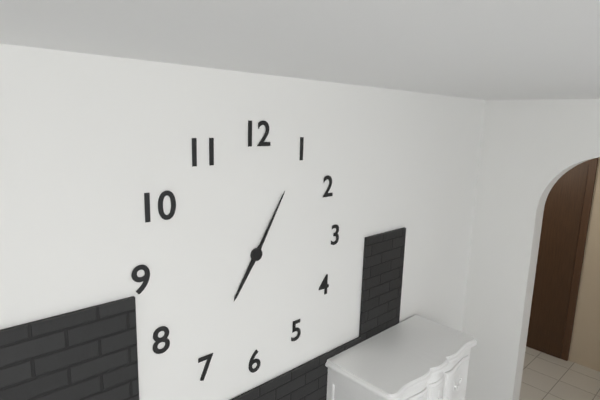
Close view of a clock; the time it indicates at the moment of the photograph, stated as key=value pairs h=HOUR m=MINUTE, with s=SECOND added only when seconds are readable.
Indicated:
h=7 m=5
